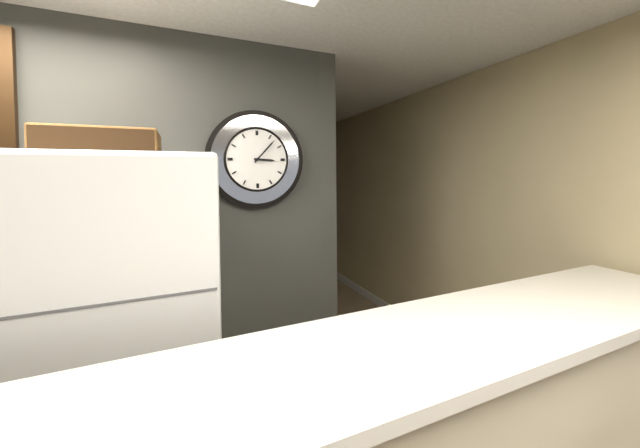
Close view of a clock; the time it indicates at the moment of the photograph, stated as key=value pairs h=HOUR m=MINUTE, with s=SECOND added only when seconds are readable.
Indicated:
h=3 m=7
